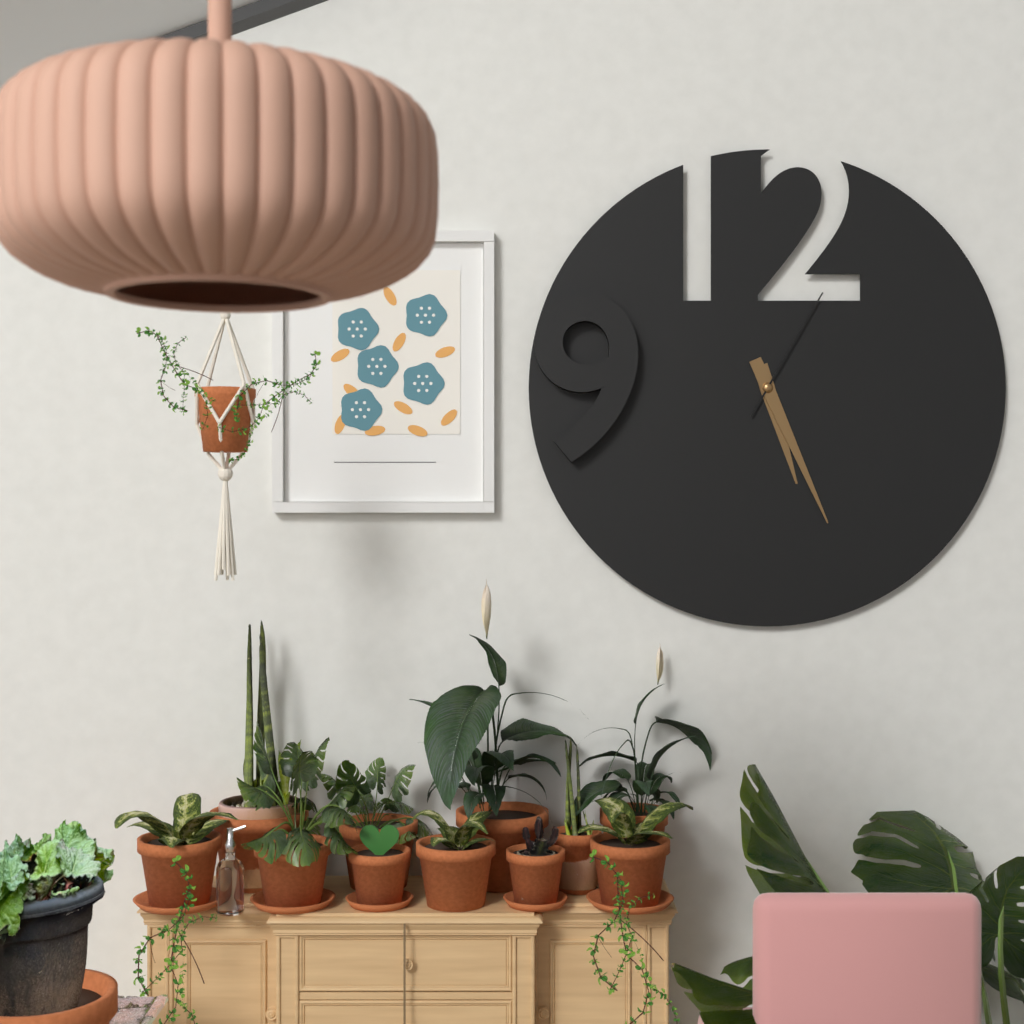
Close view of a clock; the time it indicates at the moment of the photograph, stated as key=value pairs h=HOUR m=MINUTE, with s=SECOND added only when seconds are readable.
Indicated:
h=5 m=26 s=5
